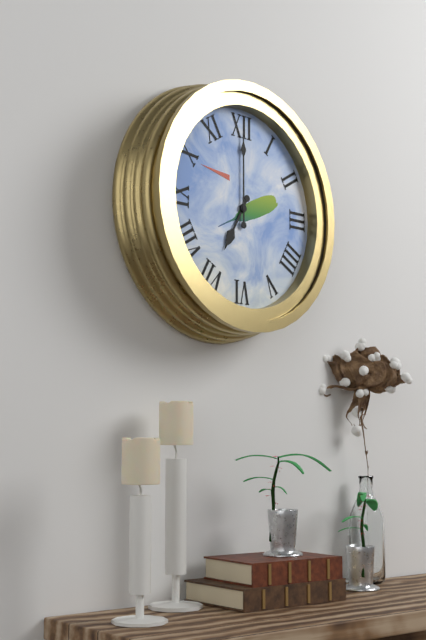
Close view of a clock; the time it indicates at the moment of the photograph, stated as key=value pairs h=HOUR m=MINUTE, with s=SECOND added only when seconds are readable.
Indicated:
h=7 m=0
